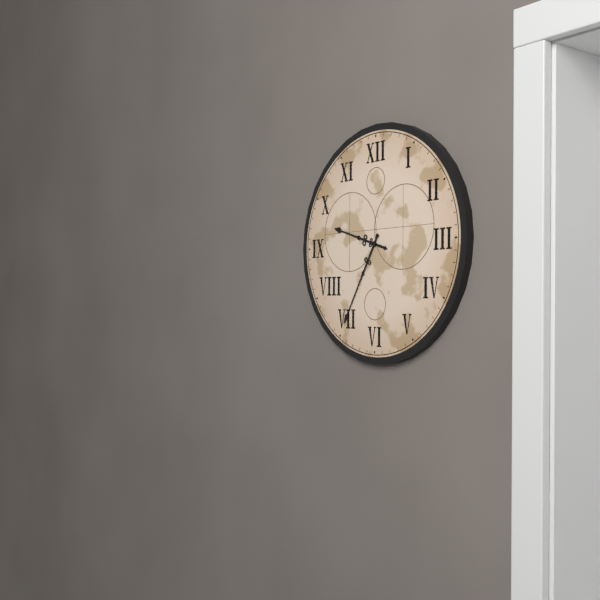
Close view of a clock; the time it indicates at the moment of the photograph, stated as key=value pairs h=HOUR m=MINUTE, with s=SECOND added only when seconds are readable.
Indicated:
h=9 m=35
